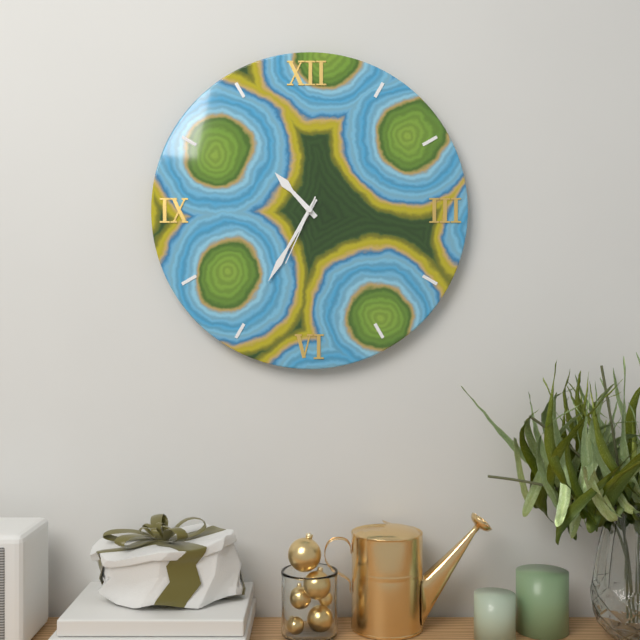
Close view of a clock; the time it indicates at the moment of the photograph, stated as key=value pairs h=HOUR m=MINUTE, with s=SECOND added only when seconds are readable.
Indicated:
h=10 m=35 s=34
